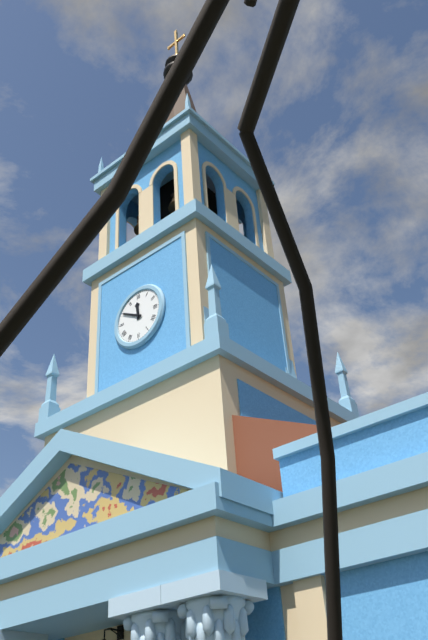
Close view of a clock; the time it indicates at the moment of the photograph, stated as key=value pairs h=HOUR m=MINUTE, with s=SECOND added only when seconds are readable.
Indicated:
h=11 m=50
